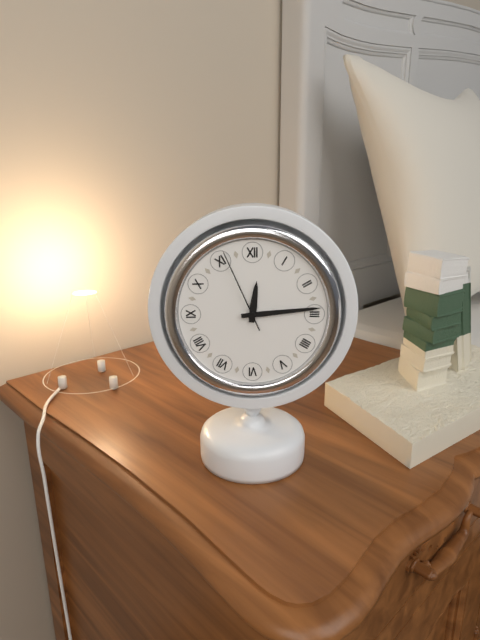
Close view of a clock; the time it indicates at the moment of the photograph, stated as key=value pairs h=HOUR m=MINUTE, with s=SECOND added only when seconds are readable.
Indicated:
h=12 m=14 s=56
